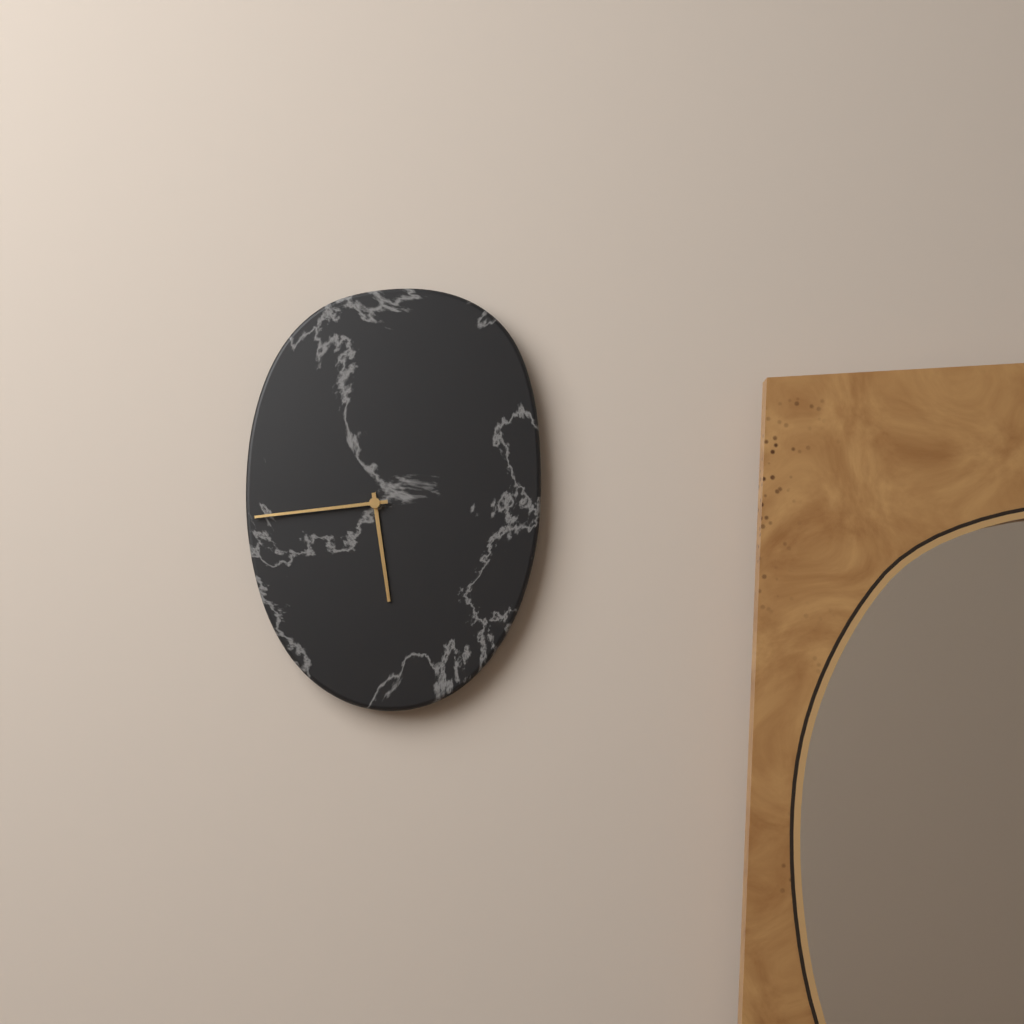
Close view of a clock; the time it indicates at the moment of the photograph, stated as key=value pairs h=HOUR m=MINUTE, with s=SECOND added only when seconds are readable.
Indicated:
h=5 m=44
